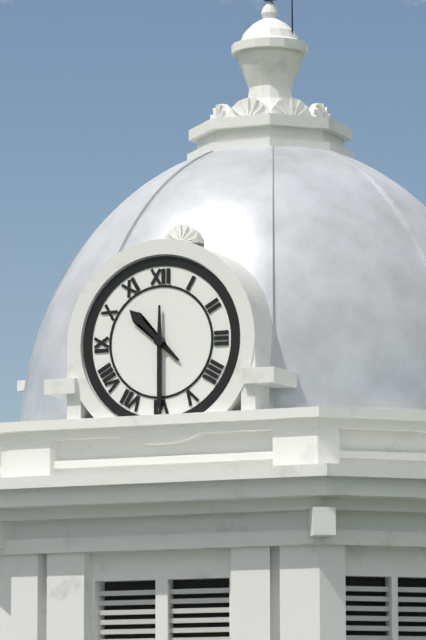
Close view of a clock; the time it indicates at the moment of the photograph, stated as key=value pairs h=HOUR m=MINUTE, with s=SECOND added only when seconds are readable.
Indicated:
h=10 m=30
